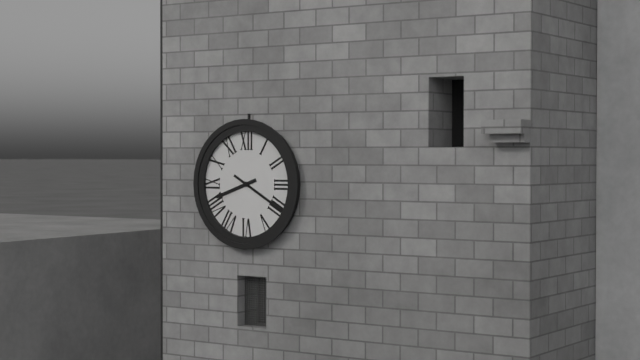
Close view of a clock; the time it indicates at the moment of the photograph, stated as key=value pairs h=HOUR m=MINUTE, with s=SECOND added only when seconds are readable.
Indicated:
h=8 m=20
